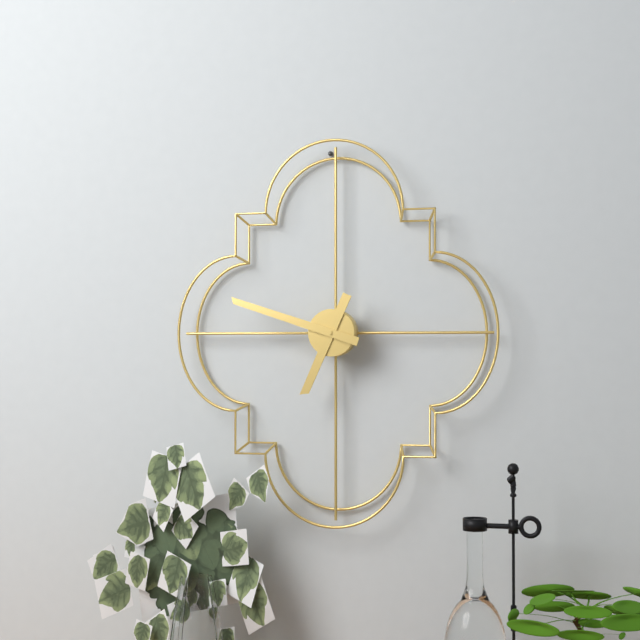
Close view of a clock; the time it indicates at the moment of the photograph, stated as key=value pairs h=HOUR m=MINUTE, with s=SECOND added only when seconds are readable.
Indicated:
h=6 m=48
